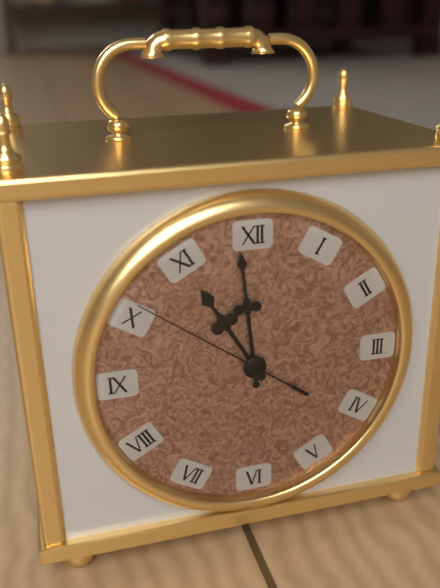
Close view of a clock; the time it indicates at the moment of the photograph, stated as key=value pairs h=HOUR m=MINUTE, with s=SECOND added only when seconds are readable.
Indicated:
h=10 m=59 s=51
